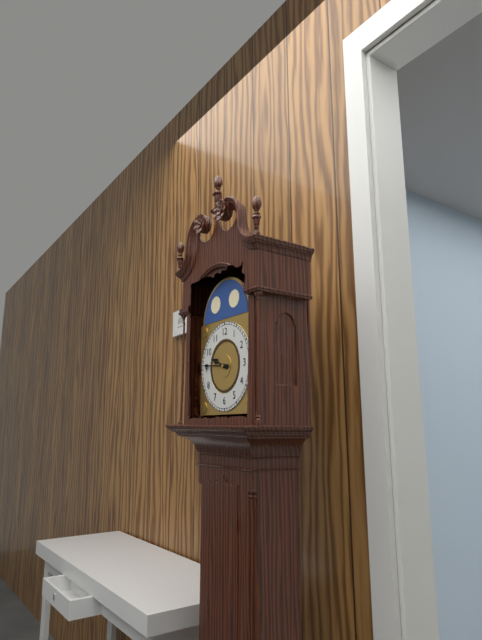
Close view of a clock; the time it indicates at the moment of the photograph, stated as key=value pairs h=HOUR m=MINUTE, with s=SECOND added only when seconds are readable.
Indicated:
h=9 m=46
